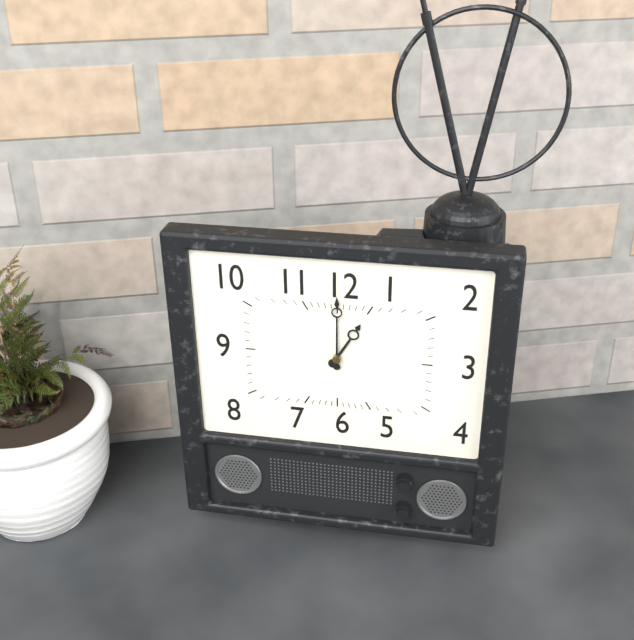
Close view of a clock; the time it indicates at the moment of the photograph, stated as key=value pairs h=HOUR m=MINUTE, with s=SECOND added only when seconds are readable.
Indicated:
h=1 m=0
